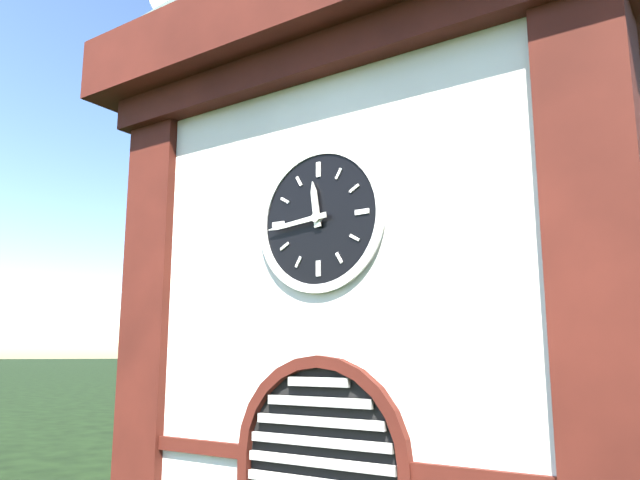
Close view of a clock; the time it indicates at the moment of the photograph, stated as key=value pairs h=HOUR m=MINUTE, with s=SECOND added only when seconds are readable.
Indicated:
h=11 m=44
